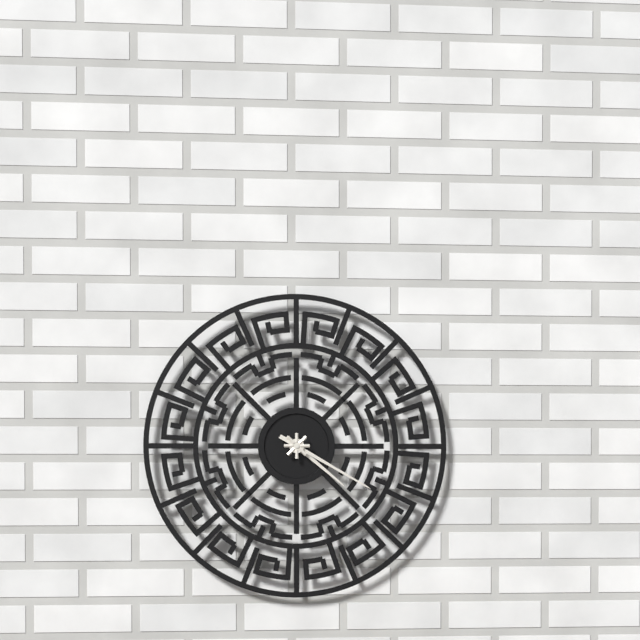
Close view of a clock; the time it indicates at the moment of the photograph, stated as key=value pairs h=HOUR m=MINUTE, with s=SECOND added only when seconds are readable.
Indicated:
h=4 m=20
